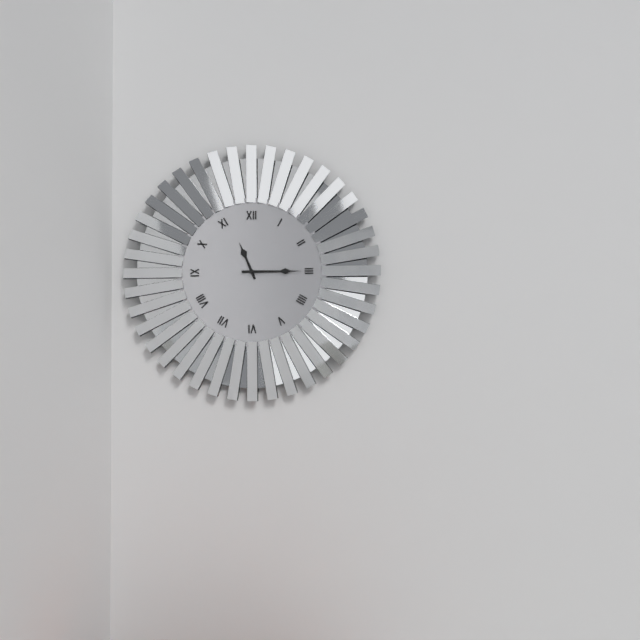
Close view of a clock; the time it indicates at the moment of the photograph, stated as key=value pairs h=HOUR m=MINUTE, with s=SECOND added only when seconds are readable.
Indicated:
h=11 m=15
